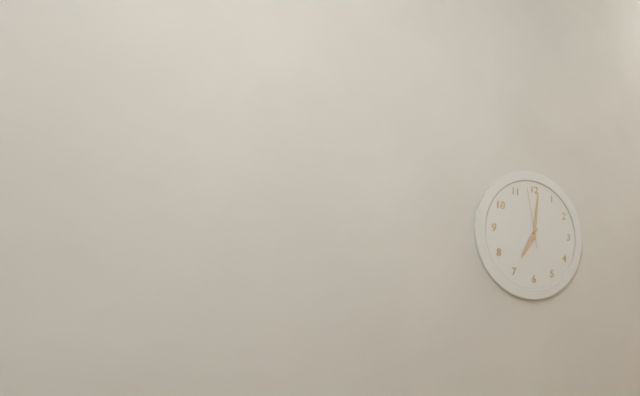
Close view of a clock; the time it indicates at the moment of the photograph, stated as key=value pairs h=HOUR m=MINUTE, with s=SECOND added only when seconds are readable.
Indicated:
h=7 m=1 s=58
